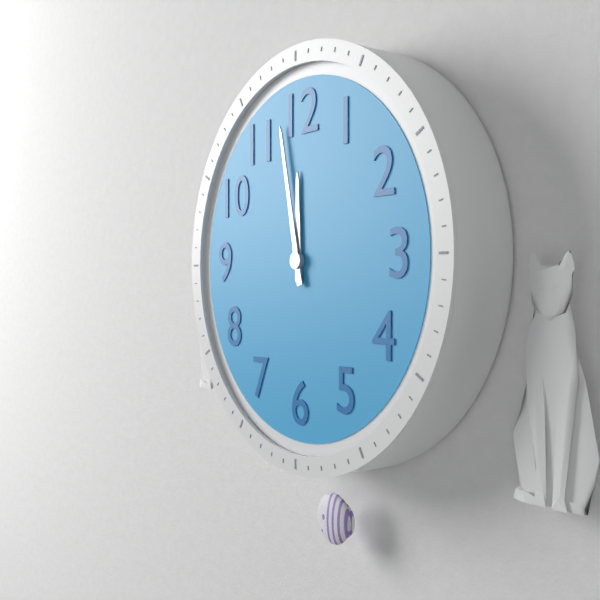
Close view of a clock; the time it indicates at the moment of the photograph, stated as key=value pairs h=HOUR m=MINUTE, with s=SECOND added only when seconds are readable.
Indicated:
h=11 m=58
